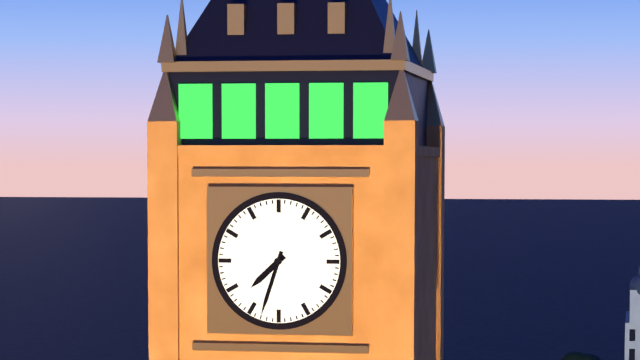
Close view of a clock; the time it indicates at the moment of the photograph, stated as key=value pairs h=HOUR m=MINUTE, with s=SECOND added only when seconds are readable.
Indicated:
h=7 m=33
